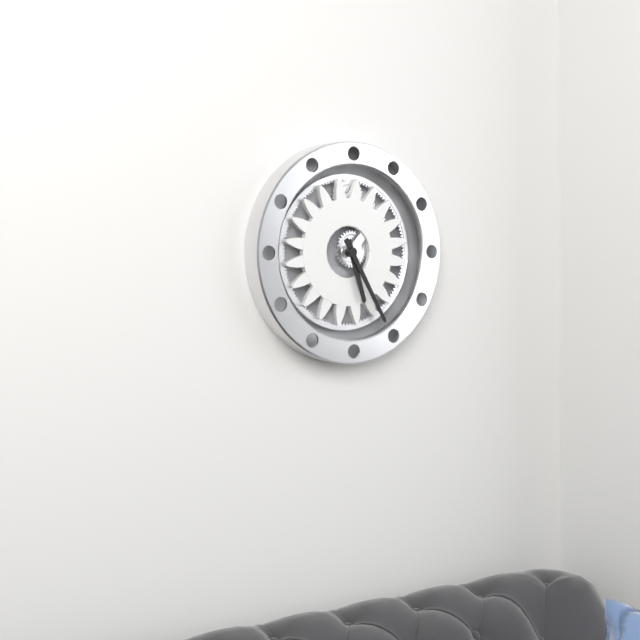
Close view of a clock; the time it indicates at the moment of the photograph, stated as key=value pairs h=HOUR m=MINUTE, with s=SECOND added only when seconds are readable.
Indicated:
h=5 m=25
